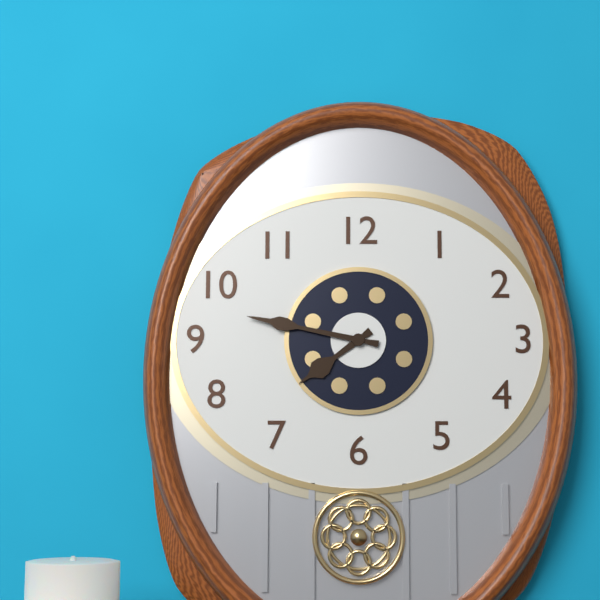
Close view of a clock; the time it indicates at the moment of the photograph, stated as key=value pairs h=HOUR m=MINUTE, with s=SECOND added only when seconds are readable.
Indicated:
h=7 m=47
